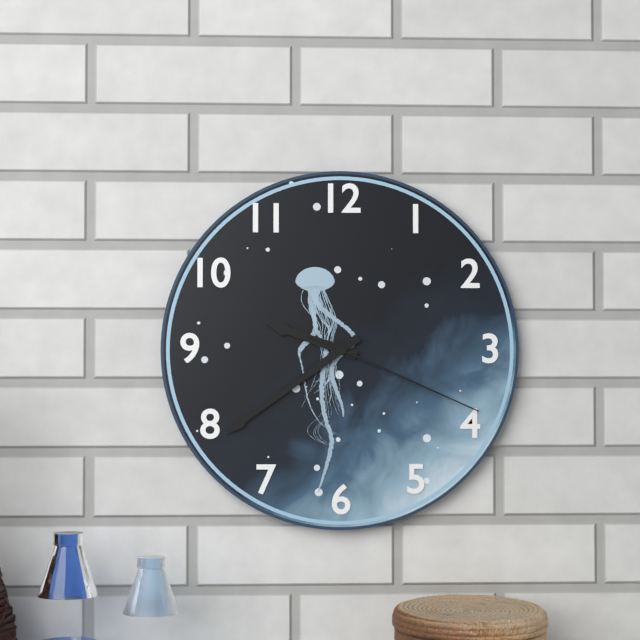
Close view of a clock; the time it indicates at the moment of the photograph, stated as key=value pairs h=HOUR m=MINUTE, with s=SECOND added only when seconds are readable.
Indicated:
h=9 m=39 s=19
